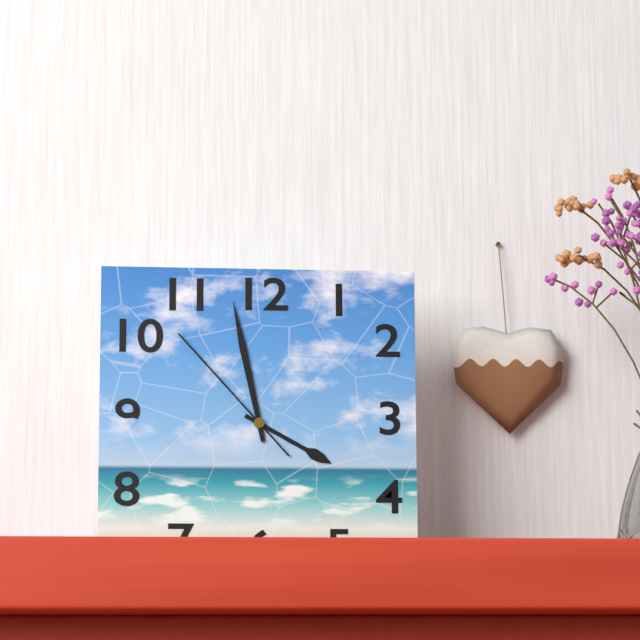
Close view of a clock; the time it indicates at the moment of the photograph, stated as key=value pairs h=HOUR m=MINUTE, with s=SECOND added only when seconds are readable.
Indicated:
h=3 m=58 s=53
